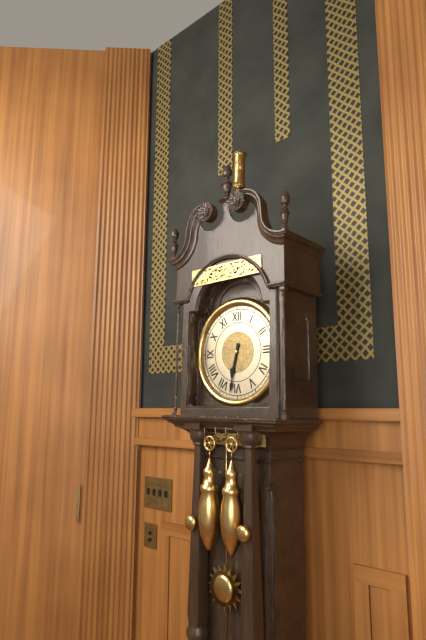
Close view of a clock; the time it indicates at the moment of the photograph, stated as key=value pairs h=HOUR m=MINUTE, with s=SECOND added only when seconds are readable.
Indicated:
h=6 m=32
